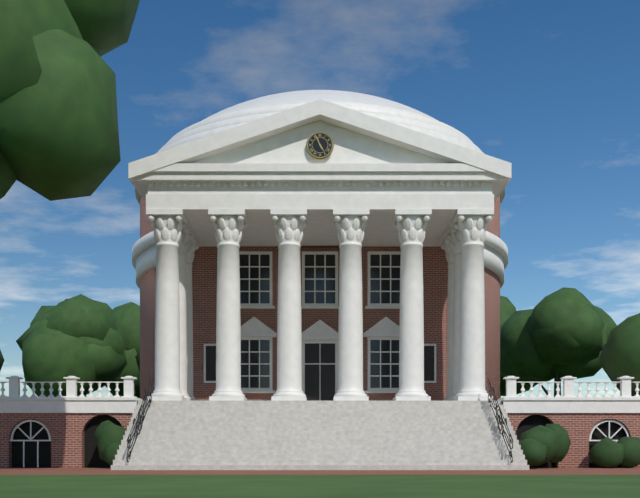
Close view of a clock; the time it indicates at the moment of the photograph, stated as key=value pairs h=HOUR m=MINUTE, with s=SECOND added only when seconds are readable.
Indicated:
h=4 m=56
